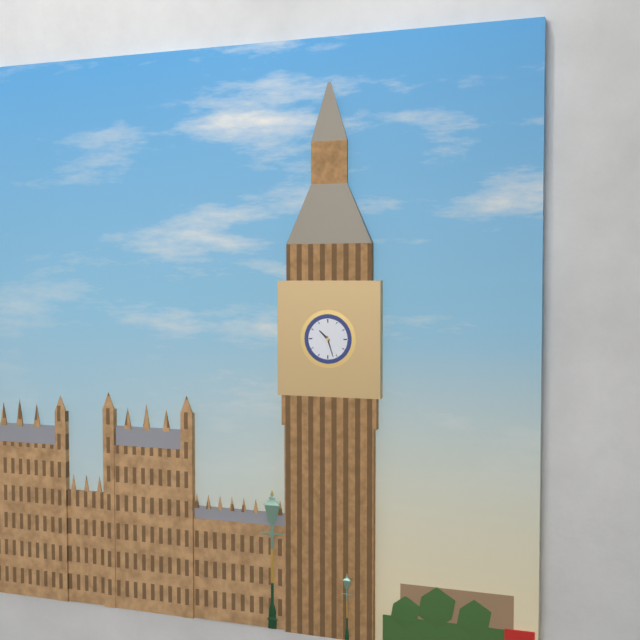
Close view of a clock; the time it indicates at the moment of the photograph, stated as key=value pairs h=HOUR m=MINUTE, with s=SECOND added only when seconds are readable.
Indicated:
h=10 m=27
